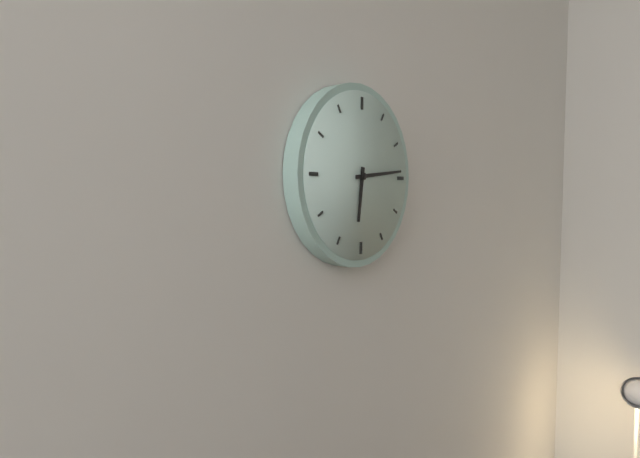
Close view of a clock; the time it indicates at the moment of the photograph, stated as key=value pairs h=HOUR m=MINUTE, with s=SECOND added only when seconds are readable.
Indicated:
h=6 m=14
